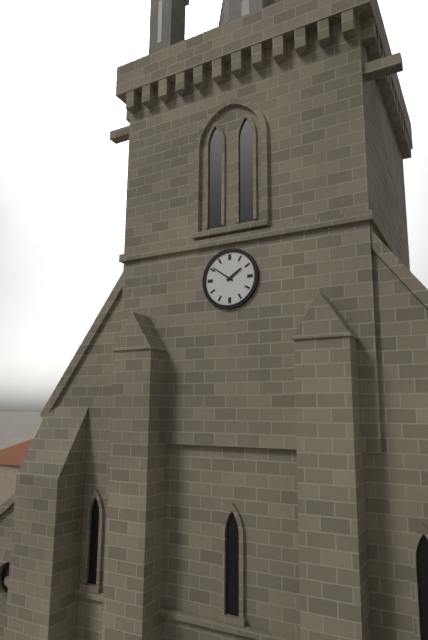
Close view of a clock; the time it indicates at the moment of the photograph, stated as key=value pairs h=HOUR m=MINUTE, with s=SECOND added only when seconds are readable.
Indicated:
h=1 m=51
